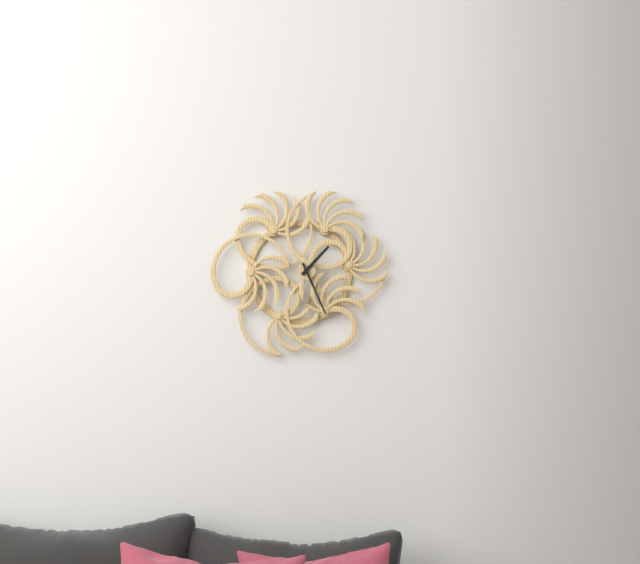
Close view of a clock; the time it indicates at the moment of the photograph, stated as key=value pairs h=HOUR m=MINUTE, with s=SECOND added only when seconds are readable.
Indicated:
h=1 m=26
